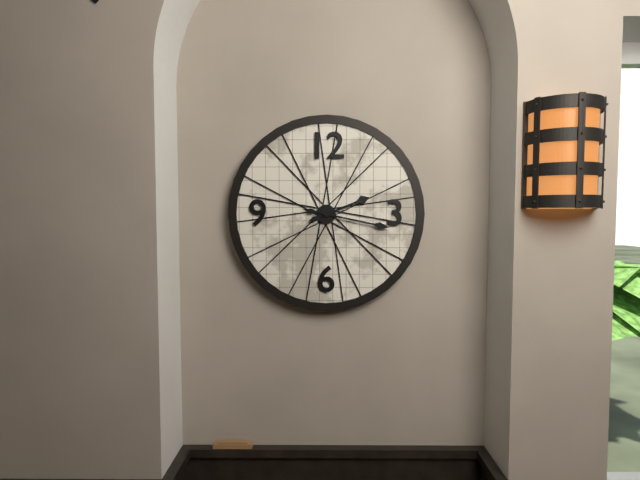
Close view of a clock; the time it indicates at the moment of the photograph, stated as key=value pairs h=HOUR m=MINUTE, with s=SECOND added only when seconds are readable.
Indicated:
h=2 m=17
